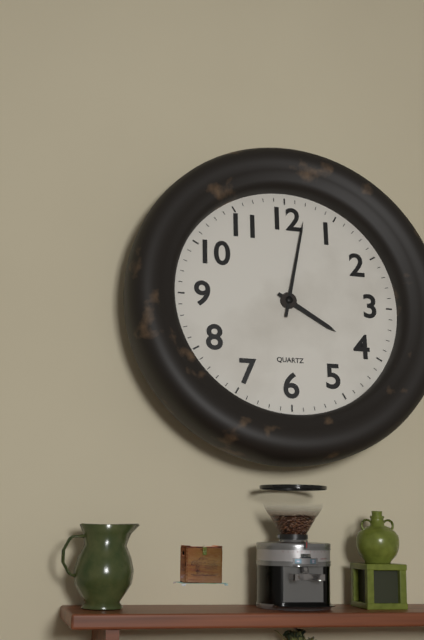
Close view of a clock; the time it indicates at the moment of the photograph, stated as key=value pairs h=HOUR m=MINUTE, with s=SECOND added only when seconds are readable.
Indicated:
h=4 m=2
